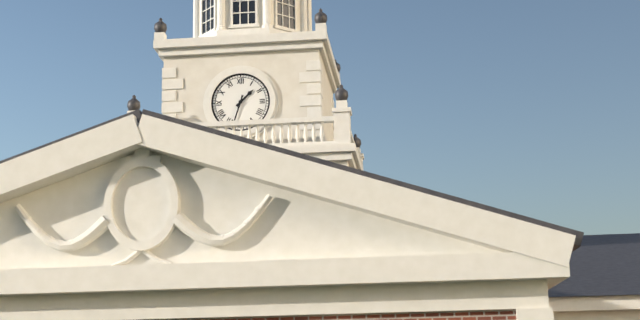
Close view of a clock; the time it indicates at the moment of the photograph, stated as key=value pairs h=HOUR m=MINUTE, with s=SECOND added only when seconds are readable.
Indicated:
h=1 m=33
